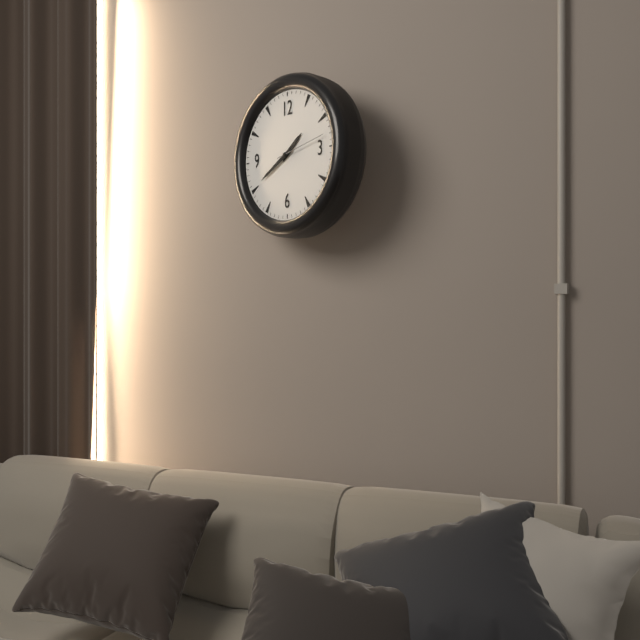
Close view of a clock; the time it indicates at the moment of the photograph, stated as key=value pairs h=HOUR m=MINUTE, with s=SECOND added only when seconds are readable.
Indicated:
h=1 m=40 s=13
